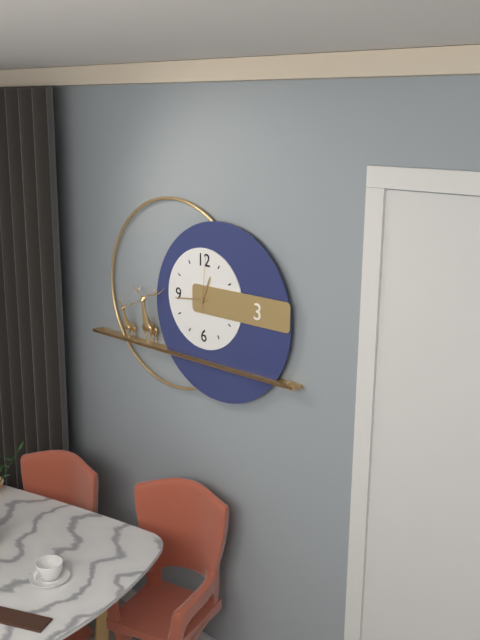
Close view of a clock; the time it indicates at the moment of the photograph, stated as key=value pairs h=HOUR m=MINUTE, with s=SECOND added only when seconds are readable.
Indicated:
h=12 m=44 s=1
